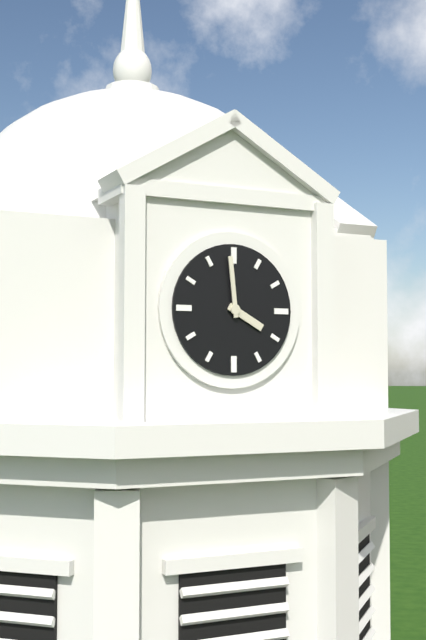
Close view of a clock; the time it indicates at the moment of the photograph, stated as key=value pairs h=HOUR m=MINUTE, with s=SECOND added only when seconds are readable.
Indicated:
h=3 m=59
